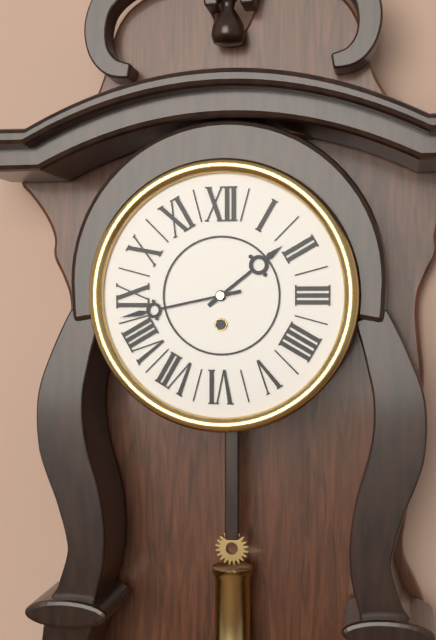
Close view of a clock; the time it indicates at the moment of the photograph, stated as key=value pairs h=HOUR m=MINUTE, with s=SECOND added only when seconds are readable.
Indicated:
h=1 m=43
